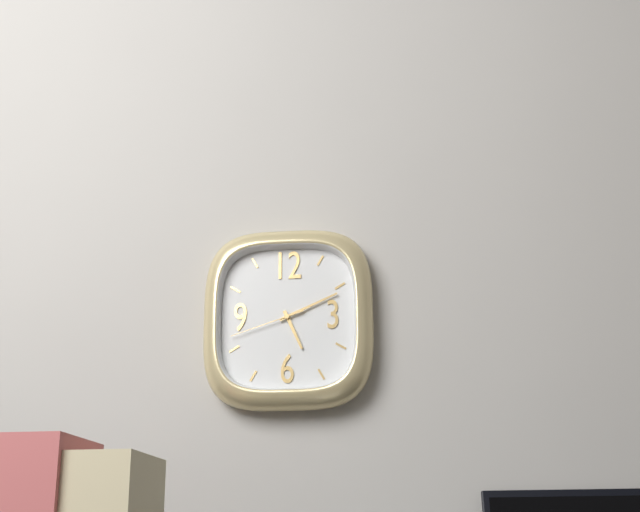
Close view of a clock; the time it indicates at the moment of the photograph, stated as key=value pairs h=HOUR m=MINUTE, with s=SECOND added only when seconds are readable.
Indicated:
h=5 m=11 s=42
